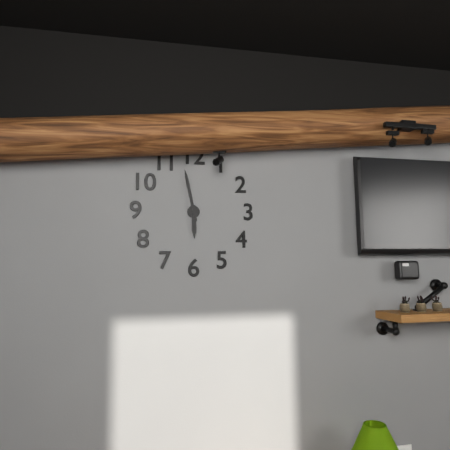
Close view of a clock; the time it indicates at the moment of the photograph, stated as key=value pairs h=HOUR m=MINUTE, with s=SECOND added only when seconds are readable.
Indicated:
h=5 m=58
